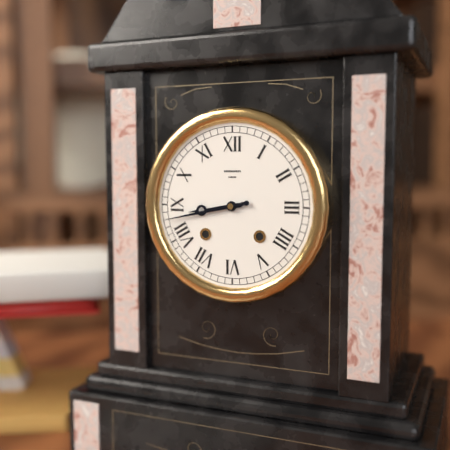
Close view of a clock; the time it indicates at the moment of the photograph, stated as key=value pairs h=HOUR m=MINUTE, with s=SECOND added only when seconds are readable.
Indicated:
h=8 m=43
